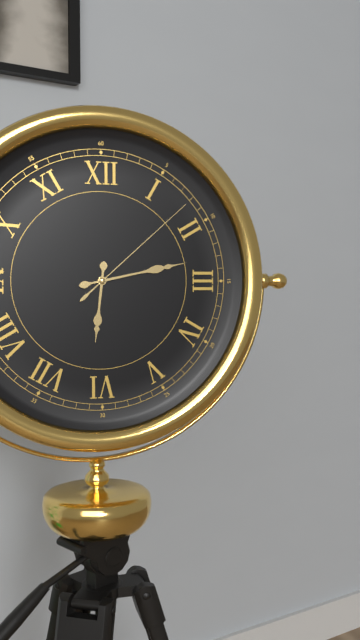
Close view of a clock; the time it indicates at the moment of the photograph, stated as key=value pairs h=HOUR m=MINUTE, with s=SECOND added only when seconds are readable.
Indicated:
h=6 m=13 s=8
